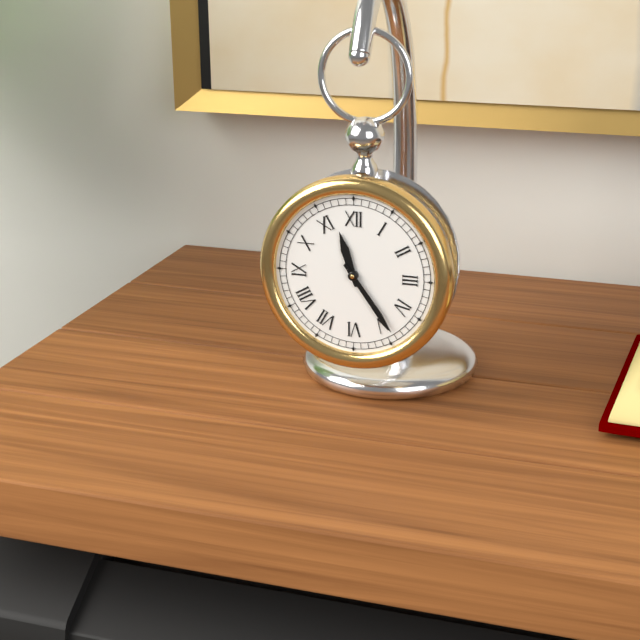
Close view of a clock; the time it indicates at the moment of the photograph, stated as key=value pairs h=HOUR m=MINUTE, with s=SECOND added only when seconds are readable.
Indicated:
h=11 m=24
